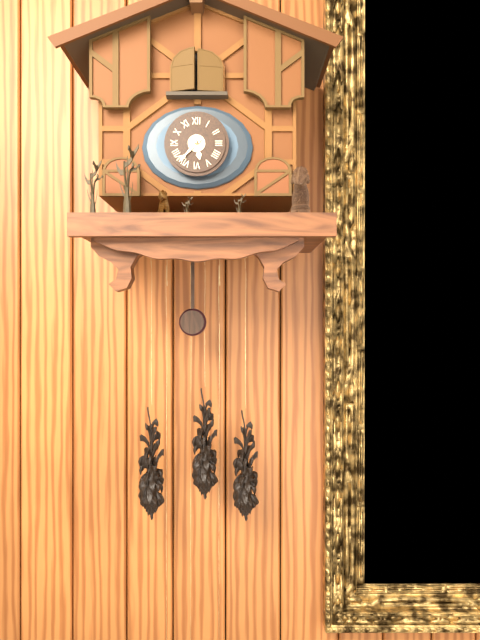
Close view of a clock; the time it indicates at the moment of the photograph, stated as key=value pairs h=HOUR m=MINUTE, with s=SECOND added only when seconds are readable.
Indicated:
h=5 m=37
